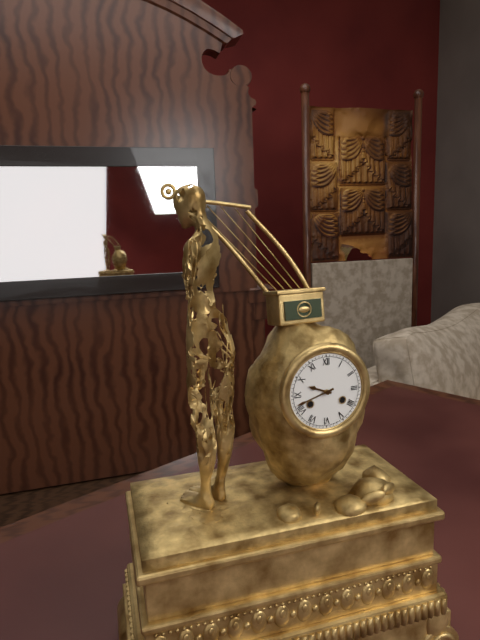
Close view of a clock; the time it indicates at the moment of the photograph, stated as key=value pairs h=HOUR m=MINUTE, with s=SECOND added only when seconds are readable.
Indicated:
h=9 m=42
